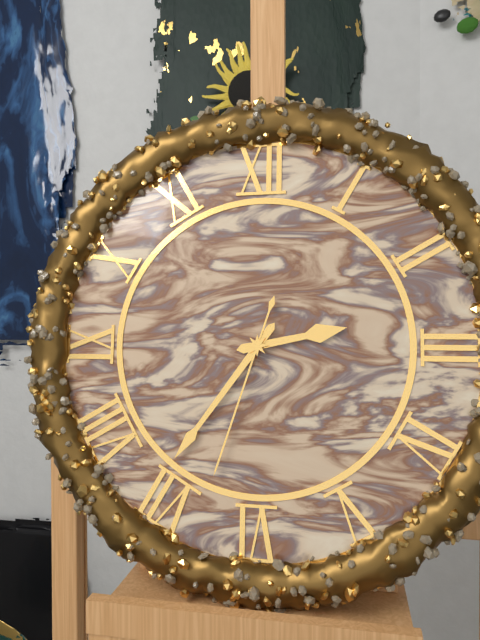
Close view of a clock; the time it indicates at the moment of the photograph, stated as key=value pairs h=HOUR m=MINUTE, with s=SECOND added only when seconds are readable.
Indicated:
h=2 m=36 s=33
